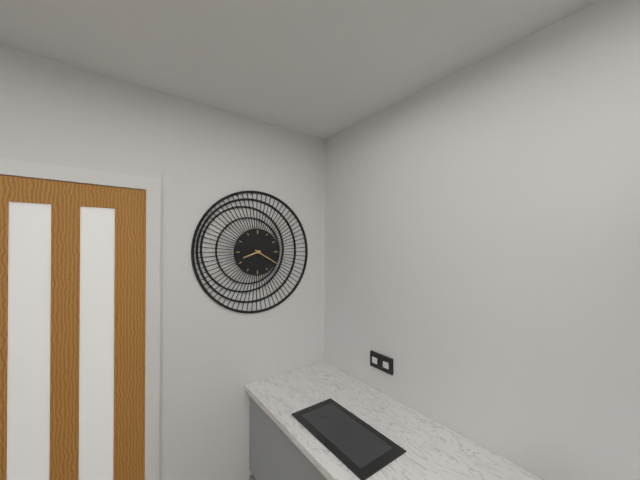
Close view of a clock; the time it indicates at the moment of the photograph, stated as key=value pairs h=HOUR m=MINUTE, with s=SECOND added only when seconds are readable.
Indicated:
h=8 m=20
